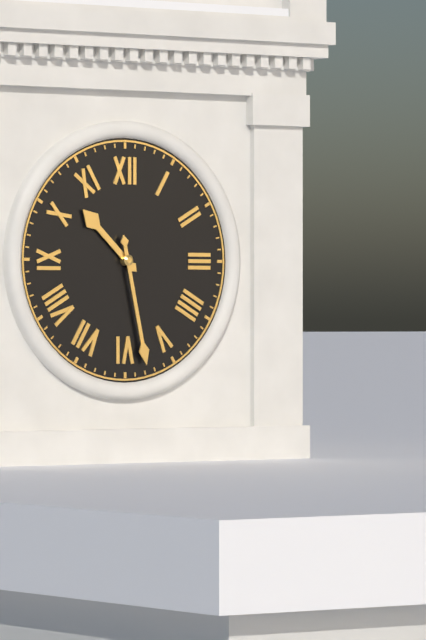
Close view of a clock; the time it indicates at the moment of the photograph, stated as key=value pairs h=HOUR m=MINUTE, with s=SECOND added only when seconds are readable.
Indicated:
h=10 m=28
